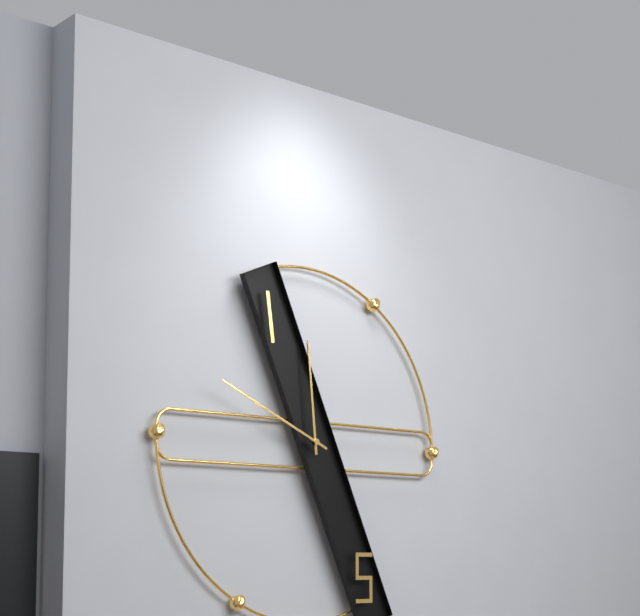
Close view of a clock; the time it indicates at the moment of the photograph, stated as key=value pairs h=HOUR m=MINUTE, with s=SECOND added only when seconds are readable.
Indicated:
h=11 m=49
